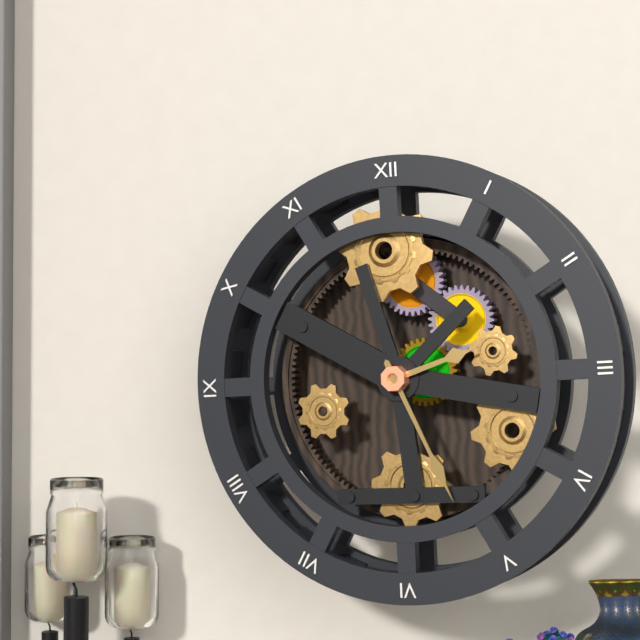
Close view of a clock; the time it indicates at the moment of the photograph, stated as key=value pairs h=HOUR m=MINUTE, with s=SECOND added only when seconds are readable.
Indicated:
h=2 m=26
